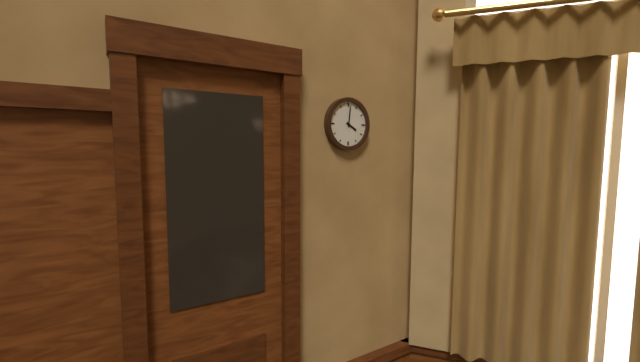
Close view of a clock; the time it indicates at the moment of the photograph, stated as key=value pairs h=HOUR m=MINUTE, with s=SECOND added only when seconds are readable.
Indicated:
h=4 m=1
